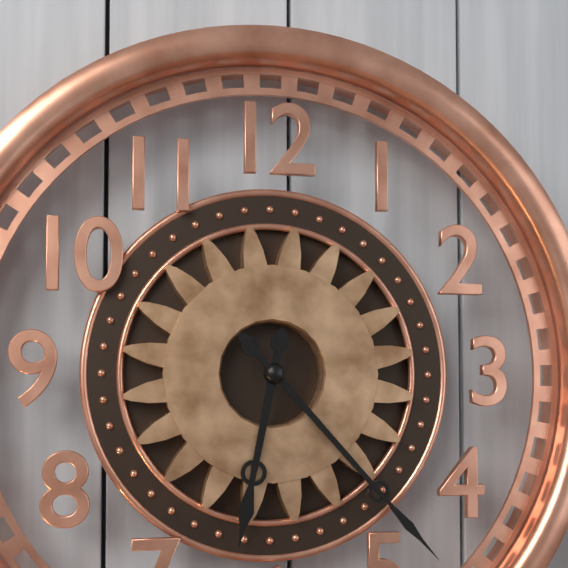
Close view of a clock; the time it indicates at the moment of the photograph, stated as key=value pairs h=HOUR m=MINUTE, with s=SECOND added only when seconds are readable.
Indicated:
h=6 m=23
